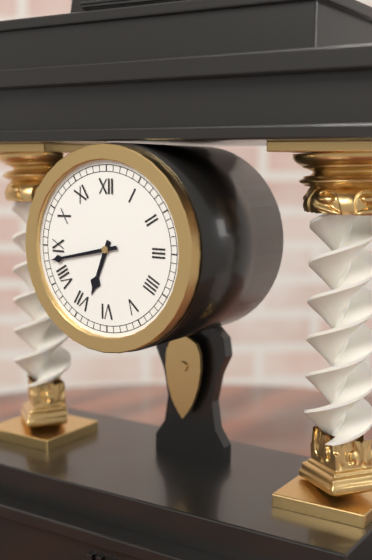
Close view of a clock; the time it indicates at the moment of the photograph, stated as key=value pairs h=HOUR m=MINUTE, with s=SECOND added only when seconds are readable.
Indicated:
h=6 m=43
